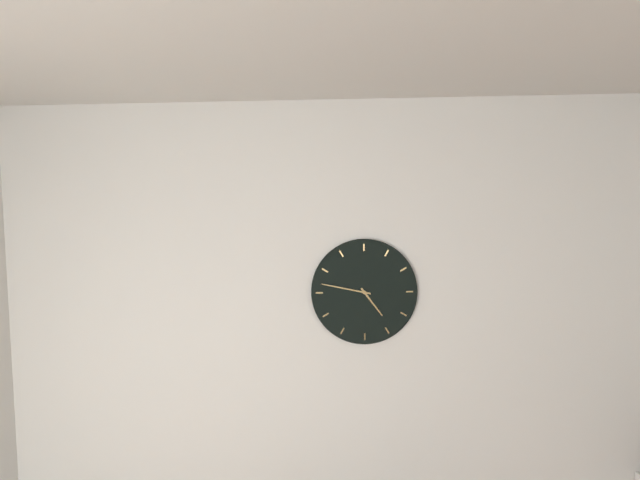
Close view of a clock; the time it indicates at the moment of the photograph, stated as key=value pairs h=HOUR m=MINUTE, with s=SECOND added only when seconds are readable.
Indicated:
h=4 m=47
